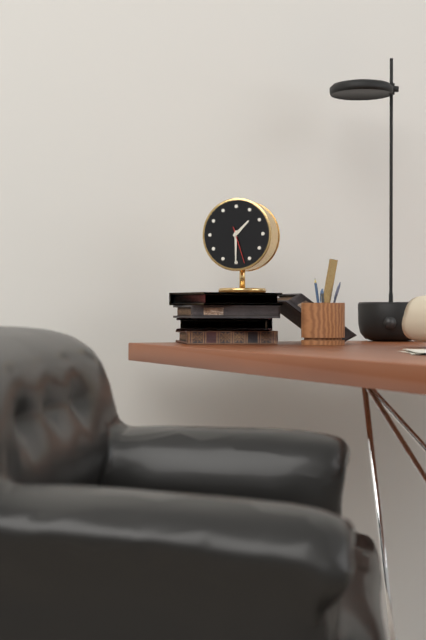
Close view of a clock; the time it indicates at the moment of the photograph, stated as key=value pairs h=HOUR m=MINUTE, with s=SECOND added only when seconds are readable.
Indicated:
h=1 m=30
